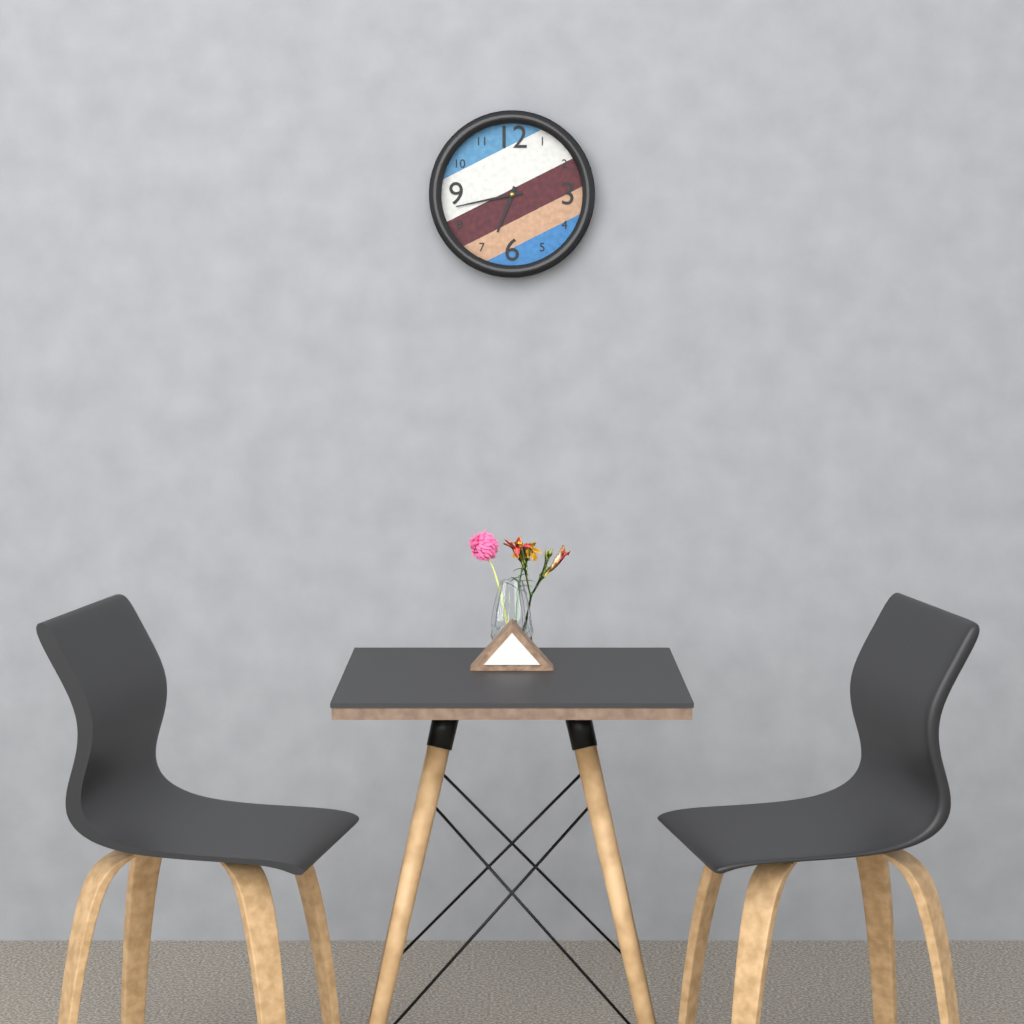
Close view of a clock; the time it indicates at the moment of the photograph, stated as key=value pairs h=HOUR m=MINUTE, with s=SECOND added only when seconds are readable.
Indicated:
h=6 m=43
